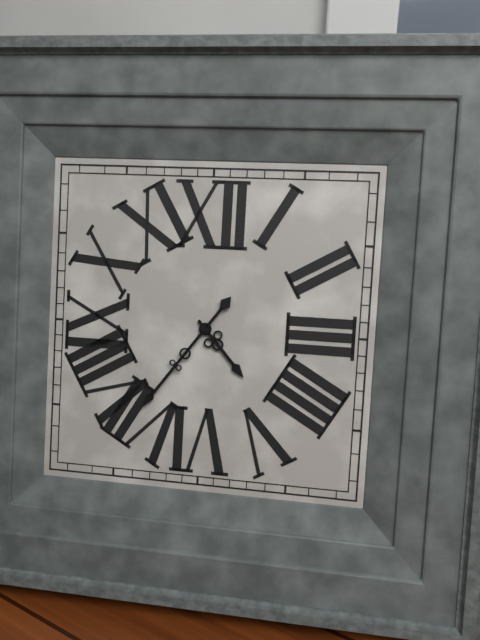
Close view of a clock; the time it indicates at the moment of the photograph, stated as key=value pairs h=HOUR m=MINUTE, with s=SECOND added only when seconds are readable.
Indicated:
h=4 m=36
